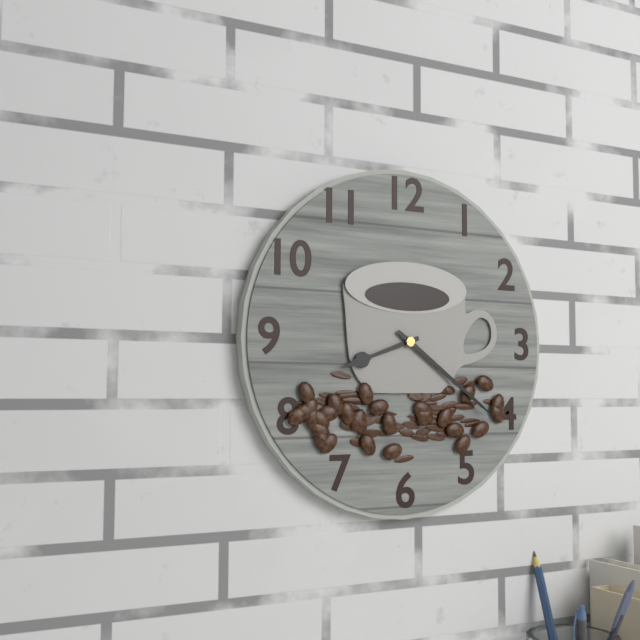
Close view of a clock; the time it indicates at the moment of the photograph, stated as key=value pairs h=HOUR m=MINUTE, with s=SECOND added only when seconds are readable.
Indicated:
h=8 m=21
